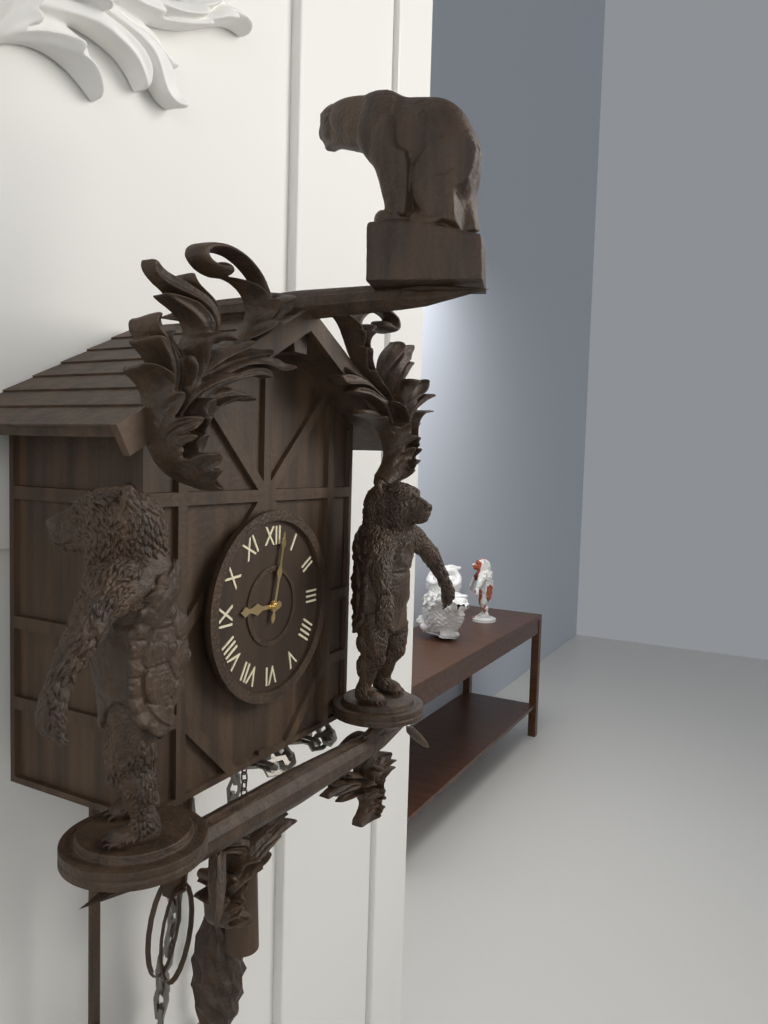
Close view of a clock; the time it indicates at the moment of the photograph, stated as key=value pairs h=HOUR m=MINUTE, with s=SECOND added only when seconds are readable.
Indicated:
h=9 m=2
